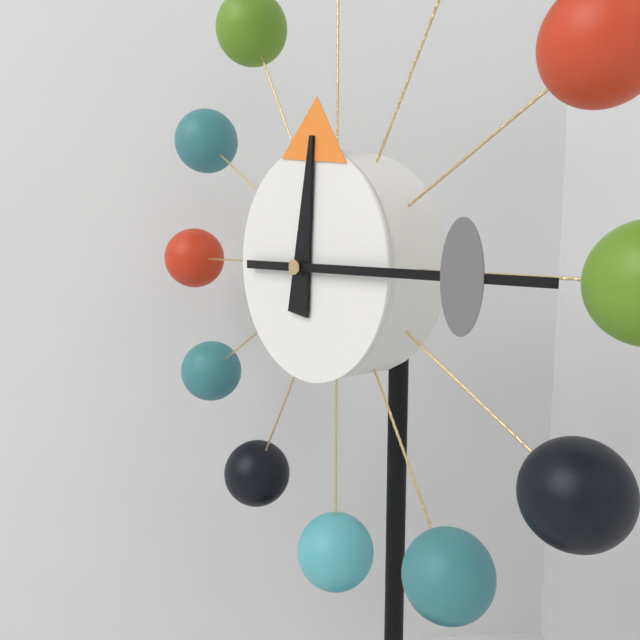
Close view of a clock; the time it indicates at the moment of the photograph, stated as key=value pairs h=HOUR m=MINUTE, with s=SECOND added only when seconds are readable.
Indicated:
h=12 m=15
